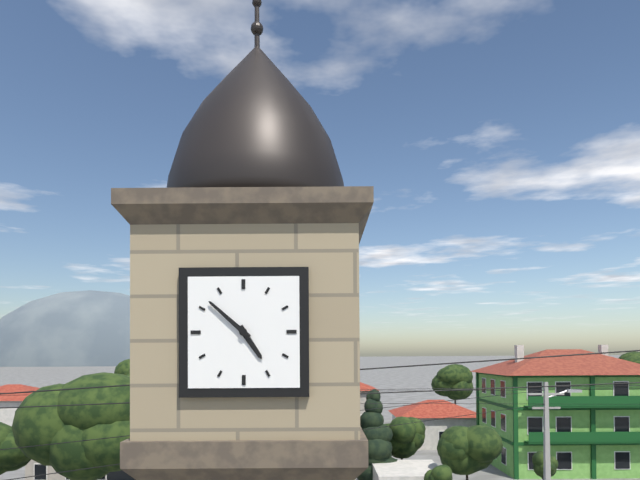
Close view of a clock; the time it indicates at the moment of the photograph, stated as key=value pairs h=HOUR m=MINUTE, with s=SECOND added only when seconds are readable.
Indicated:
h=4 m=52
